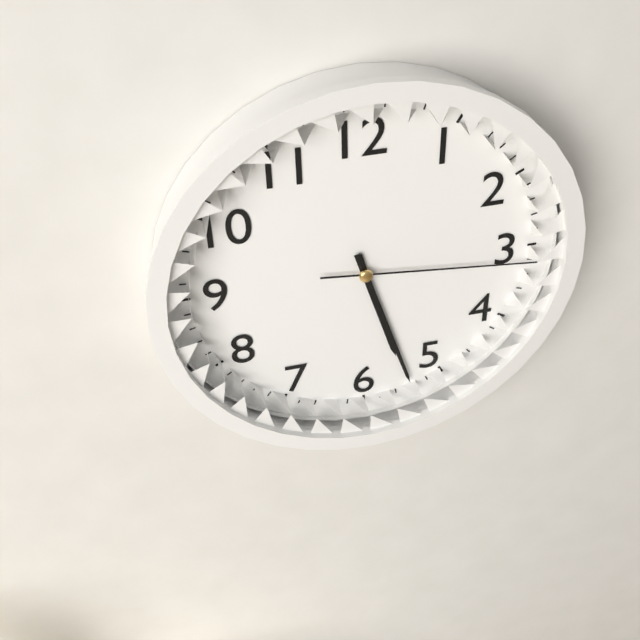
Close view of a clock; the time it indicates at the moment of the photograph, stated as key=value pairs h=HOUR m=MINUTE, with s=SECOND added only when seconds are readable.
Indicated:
h=5 m=27 s=16
